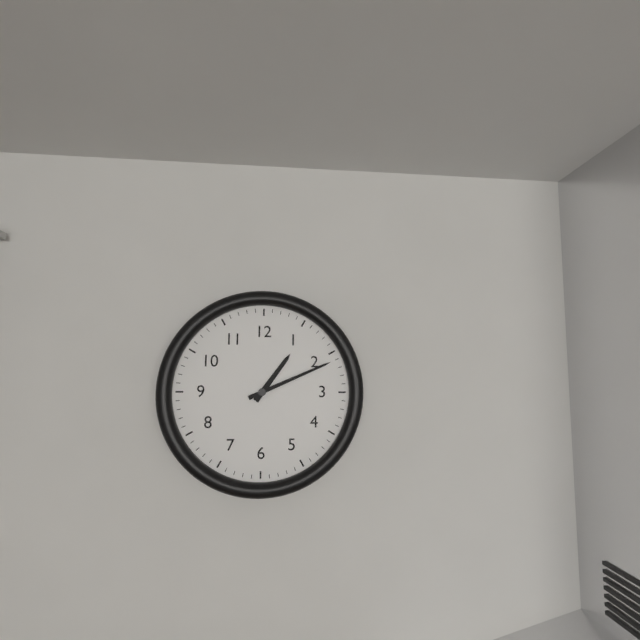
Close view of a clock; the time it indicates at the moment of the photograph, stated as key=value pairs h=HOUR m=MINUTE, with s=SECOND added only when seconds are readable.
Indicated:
h=1 m=11
